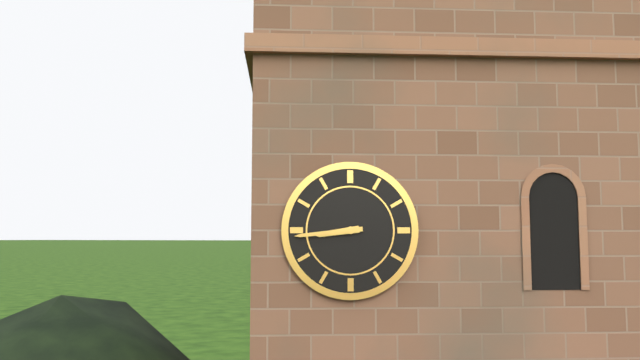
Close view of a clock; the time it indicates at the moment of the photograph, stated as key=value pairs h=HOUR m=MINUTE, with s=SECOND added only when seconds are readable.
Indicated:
h=8 m=44
